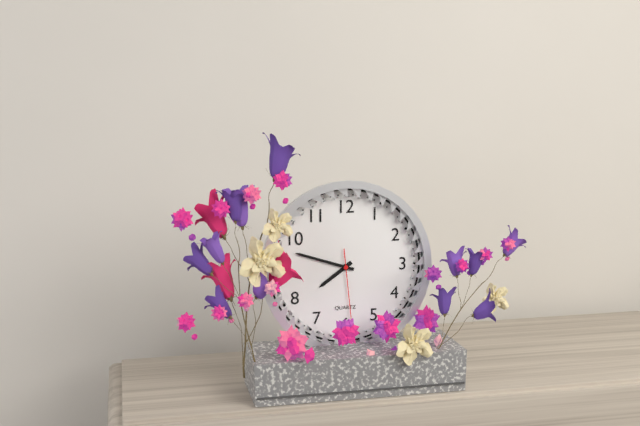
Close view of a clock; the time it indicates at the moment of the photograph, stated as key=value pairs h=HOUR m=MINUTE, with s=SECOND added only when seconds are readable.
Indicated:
h=7 m=48 s=29
